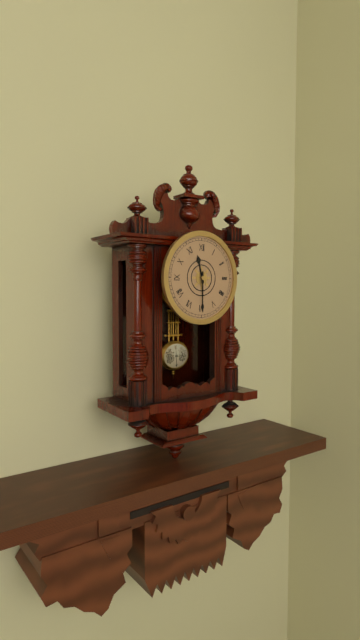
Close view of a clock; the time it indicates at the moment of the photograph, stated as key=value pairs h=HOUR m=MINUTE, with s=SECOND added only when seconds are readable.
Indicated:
h=11 m=30
